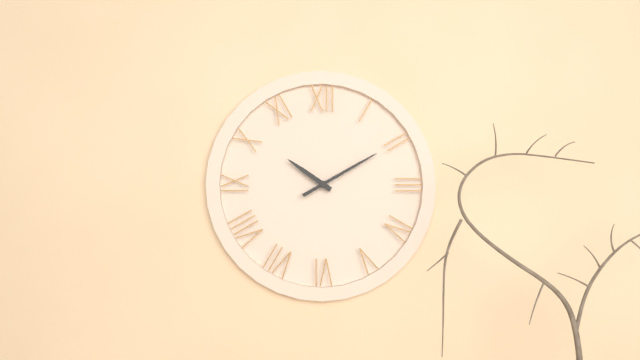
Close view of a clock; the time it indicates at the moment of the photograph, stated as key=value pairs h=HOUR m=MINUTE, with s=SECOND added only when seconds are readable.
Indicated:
h=10 m=10
